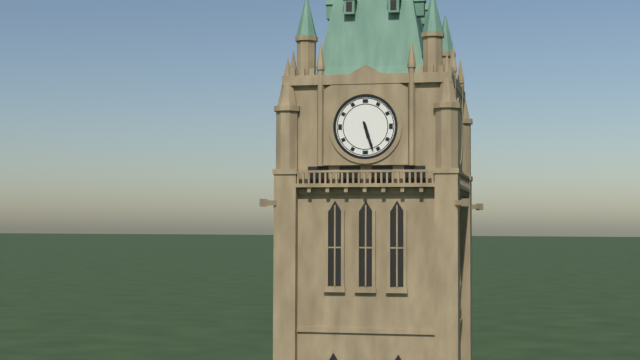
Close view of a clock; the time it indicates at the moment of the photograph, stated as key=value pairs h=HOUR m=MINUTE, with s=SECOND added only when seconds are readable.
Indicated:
h=5 m=27
